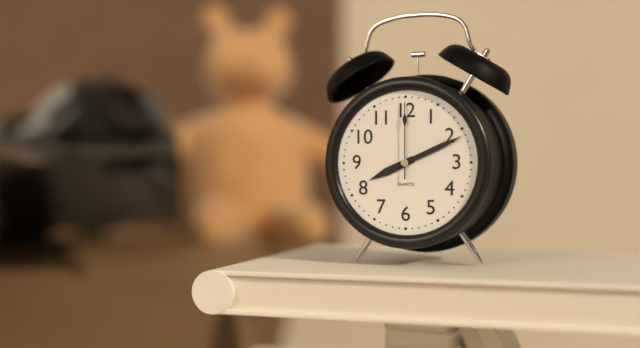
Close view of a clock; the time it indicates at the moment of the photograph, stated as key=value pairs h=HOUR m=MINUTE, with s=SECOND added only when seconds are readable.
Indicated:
h=8 m=11 s=0
